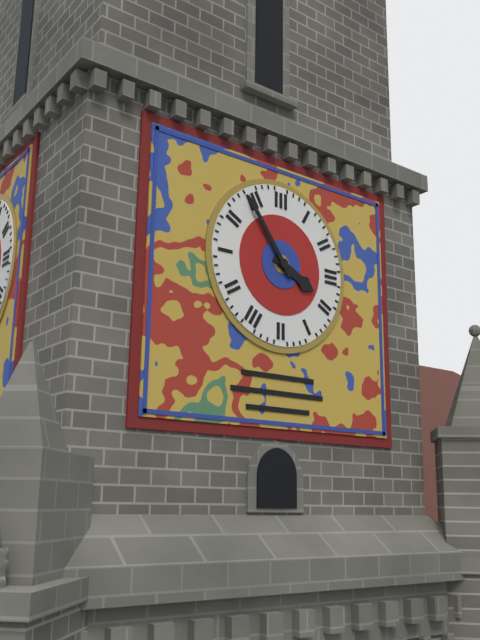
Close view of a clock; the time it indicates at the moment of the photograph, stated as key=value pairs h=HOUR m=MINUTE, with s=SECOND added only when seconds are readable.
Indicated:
h=3 m=54
